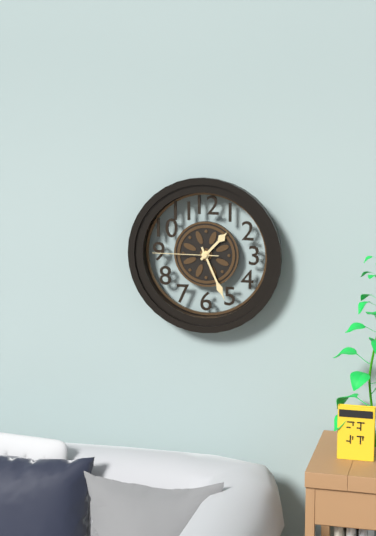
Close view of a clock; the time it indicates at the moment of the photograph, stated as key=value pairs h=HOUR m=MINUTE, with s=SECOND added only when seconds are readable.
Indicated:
h=1 m=26 s=45
